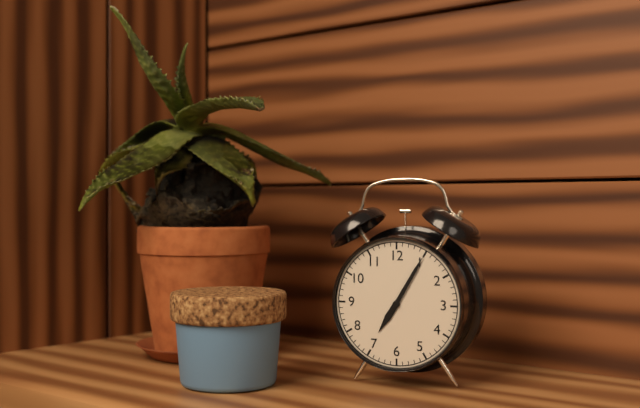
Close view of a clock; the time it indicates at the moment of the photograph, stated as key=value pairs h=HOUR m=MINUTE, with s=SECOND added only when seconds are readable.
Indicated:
h=7 m=5
